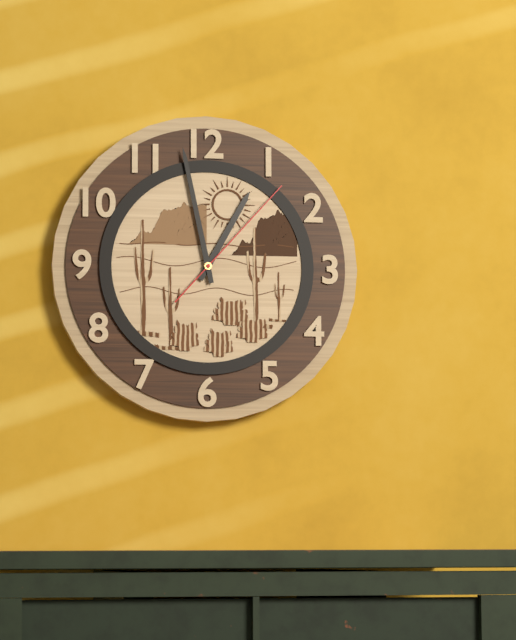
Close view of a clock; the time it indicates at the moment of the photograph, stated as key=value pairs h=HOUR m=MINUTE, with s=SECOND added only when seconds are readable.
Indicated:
h=12 m=58 s=7
